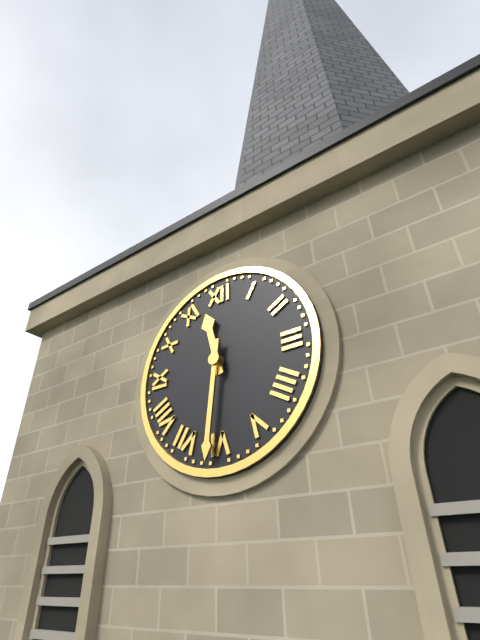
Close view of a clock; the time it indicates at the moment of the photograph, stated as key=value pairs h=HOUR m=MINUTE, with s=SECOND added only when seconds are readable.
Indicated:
h=11 m=31
